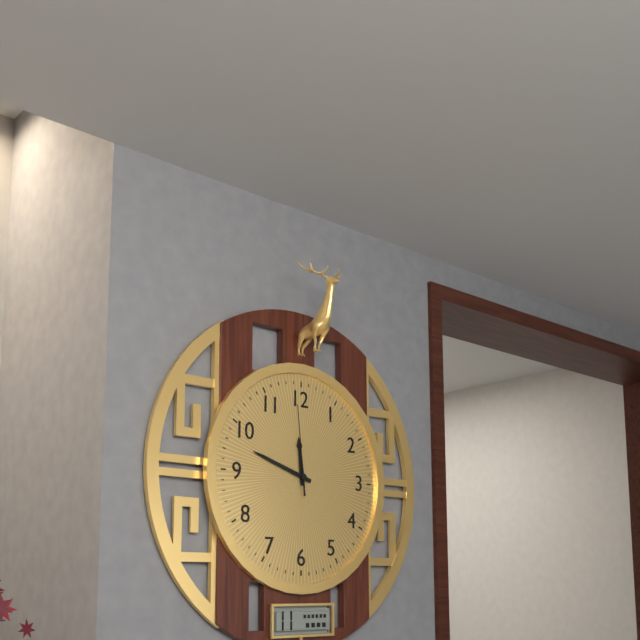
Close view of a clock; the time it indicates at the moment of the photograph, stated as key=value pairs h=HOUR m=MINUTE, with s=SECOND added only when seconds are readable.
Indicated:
h=11 m=48 s=59
